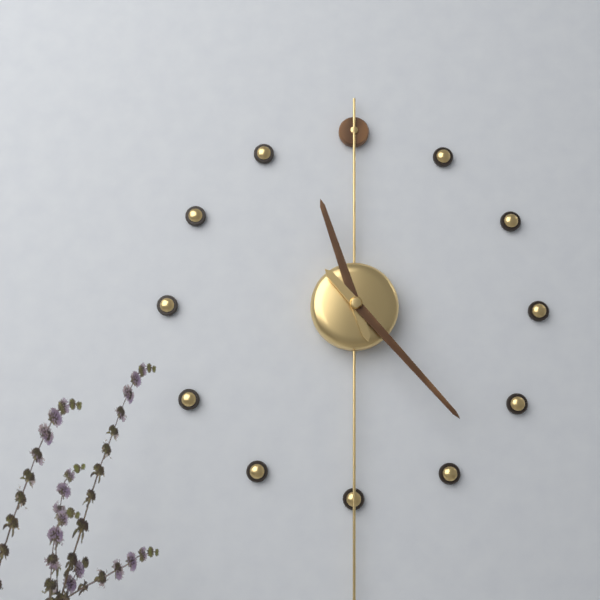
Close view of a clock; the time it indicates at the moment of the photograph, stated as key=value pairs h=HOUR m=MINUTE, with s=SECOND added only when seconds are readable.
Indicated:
h=11 m=23
